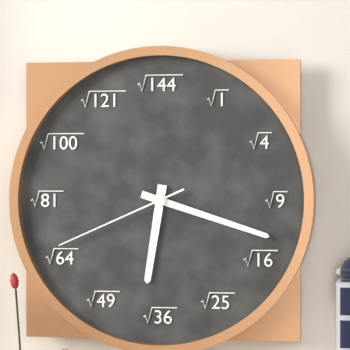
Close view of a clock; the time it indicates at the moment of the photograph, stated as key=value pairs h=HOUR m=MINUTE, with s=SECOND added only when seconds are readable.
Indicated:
h=6 m=18 s=41
